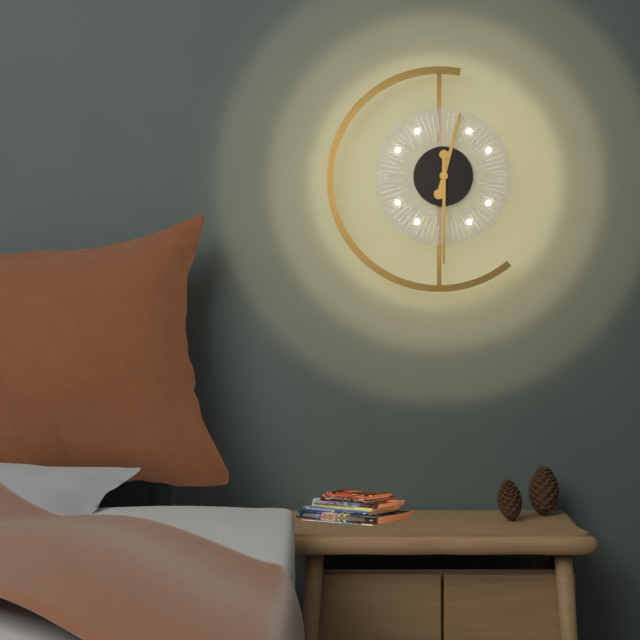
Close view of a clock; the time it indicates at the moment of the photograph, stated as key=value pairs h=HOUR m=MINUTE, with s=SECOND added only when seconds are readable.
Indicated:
h=12 m=30
